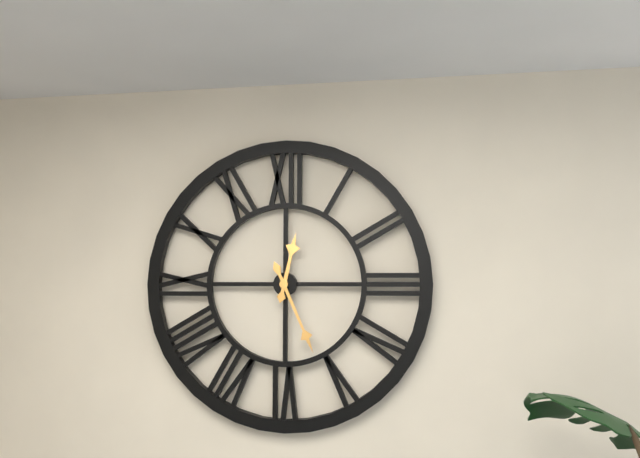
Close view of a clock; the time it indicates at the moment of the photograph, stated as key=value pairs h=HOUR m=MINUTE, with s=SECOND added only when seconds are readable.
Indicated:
h=12 m=26
